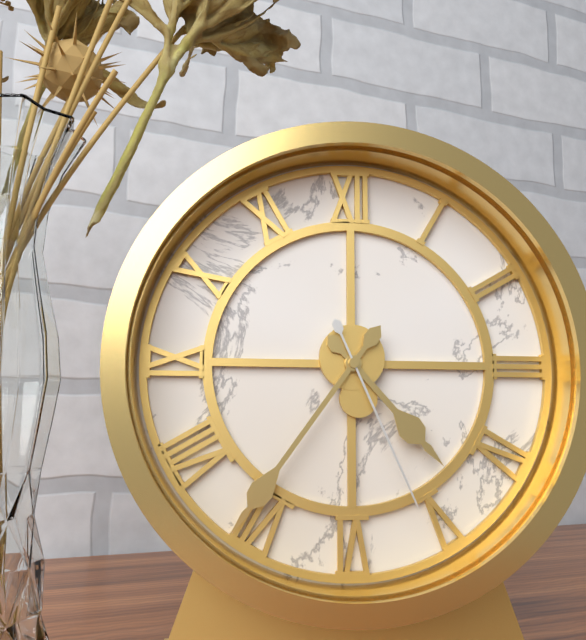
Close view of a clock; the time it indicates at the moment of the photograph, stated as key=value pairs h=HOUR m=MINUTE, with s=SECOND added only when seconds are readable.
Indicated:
h=4 m=36 s=26
